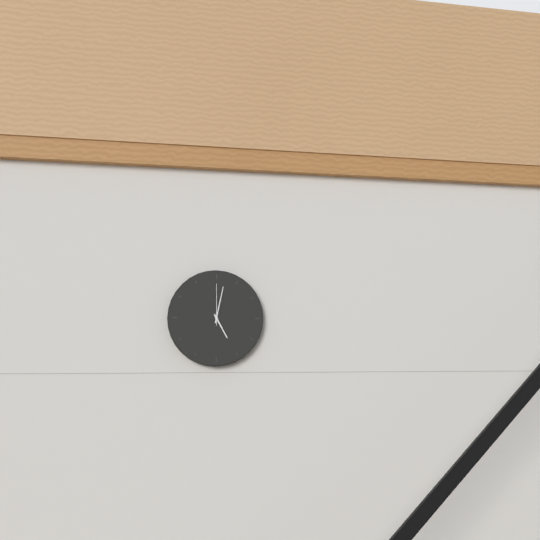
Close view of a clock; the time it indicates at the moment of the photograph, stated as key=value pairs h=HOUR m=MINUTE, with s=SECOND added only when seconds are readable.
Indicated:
h=5 m=2
